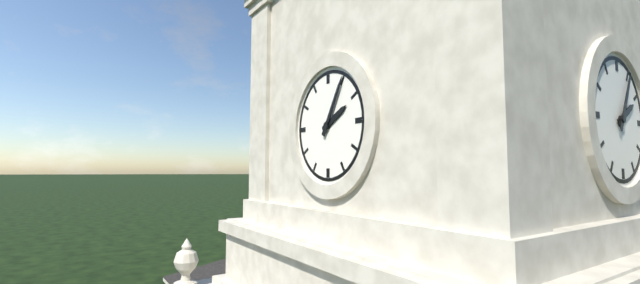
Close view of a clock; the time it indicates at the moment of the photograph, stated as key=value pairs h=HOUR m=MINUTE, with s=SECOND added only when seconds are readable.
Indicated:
h=2 m=5
